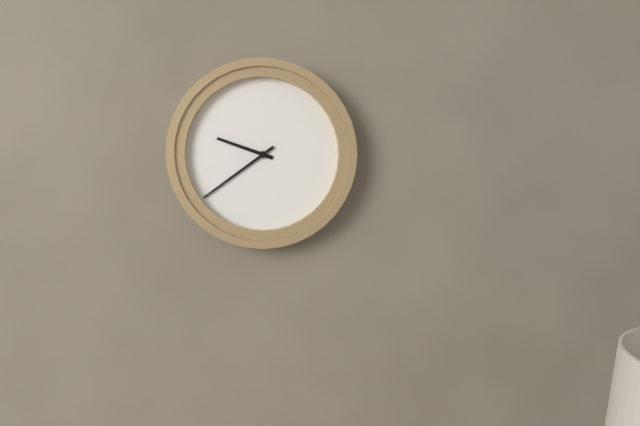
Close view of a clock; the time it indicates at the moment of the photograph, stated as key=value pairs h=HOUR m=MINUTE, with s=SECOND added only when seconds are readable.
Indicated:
h=9 m=39
